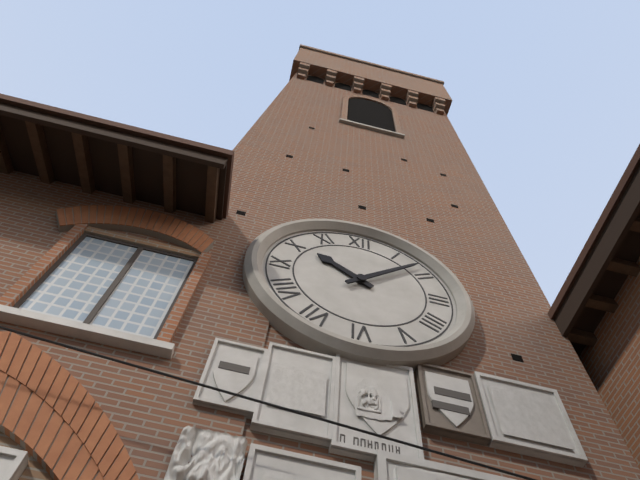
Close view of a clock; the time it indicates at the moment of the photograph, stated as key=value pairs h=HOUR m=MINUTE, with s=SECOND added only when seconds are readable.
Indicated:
h=10 m=8
